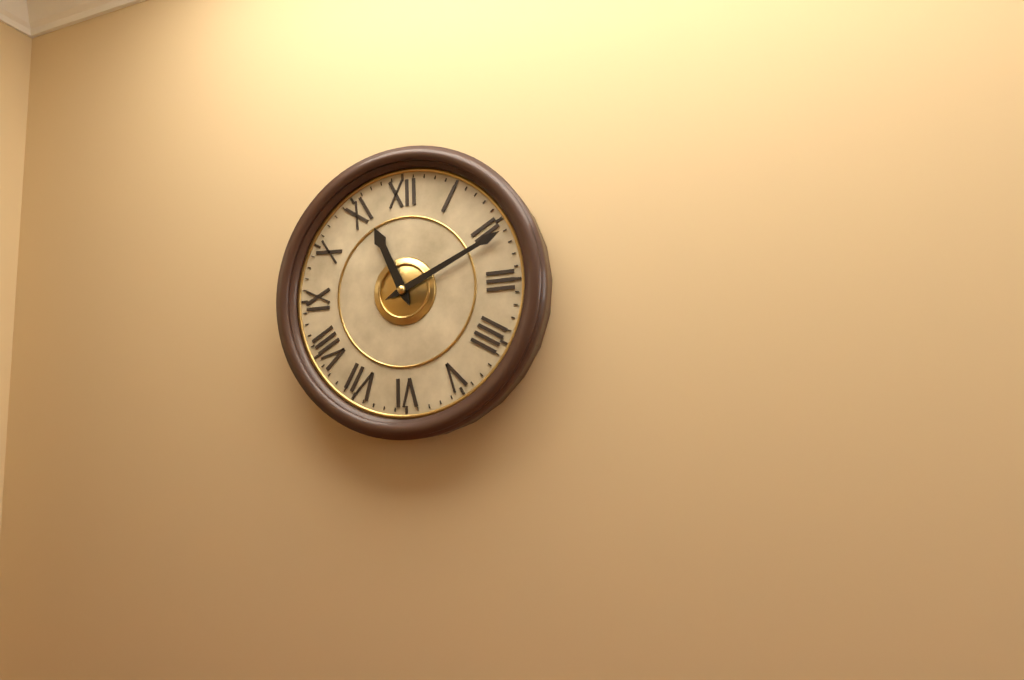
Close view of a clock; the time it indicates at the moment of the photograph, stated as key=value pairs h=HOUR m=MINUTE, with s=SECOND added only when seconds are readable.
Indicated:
h=11 m=11
